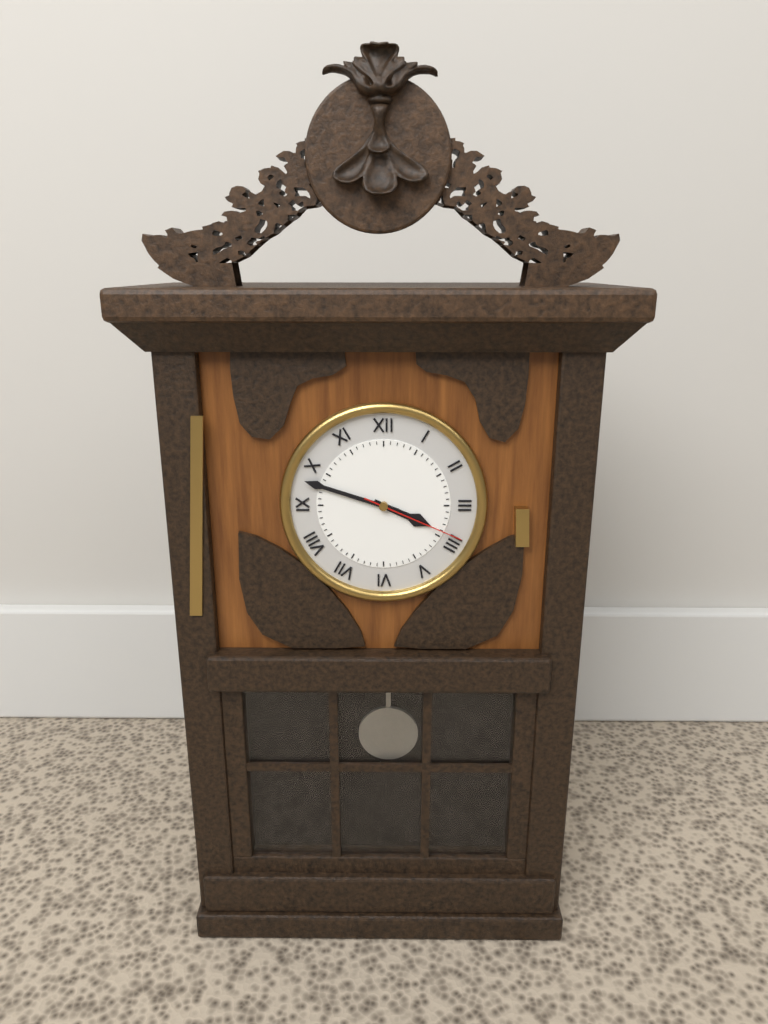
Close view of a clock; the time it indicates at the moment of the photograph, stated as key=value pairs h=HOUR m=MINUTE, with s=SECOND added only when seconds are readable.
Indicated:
h=3 m=48 s=19
